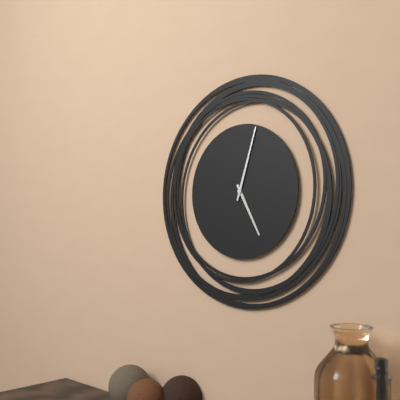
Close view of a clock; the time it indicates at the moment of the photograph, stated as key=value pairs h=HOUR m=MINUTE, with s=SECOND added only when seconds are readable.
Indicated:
h=5 m=3
